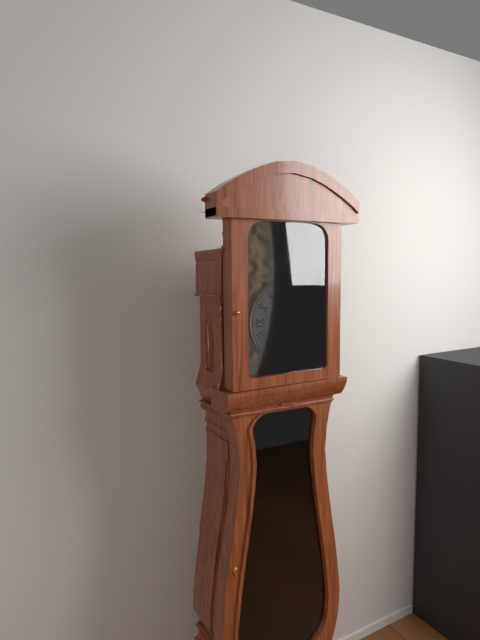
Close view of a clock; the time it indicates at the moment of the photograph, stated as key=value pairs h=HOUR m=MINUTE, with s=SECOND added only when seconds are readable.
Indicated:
h=1 m=48
